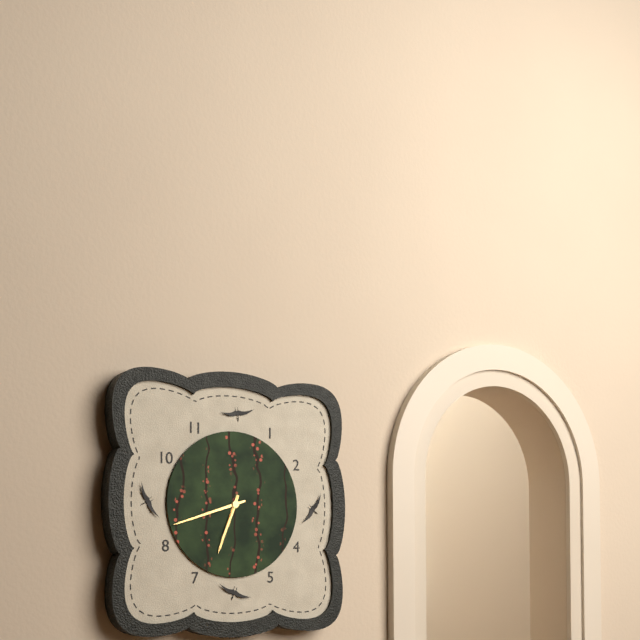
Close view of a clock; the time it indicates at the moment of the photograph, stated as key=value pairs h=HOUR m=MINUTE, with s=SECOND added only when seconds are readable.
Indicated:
h=6 m=42
